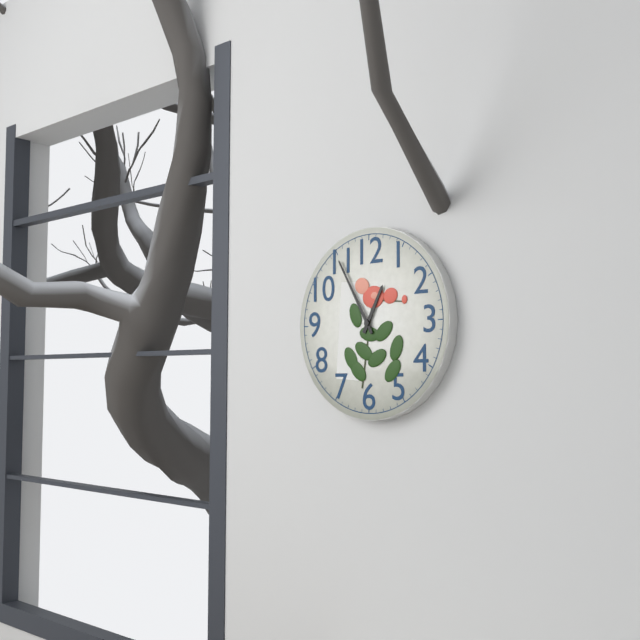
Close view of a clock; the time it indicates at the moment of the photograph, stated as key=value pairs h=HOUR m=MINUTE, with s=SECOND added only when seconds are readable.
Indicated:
h=12 m=55
